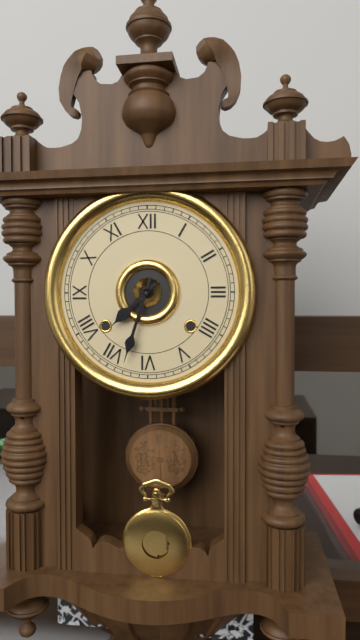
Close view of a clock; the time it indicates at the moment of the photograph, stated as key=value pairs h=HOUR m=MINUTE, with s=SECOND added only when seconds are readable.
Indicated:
h=7 m=33
